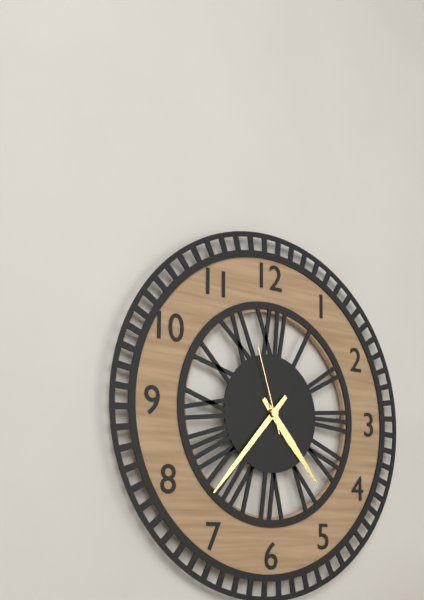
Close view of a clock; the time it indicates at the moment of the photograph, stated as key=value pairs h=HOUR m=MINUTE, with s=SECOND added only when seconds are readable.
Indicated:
h=4 m=37 s=57
